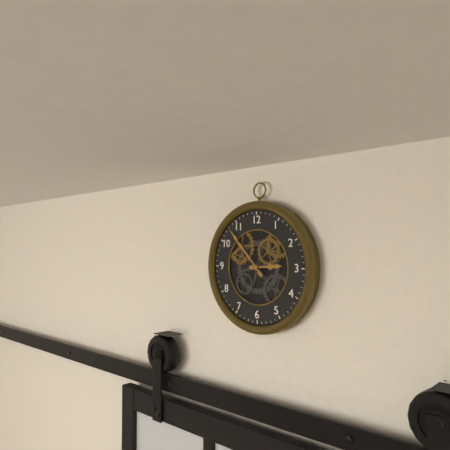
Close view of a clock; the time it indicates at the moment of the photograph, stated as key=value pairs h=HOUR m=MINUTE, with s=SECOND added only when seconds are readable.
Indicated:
h=2 m=53
